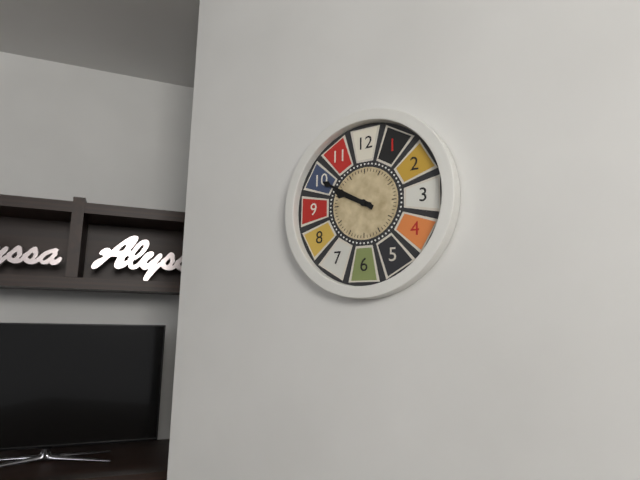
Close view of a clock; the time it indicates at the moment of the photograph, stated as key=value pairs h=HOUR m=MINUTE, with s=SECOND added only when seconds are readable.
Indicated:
h=9 m=50
